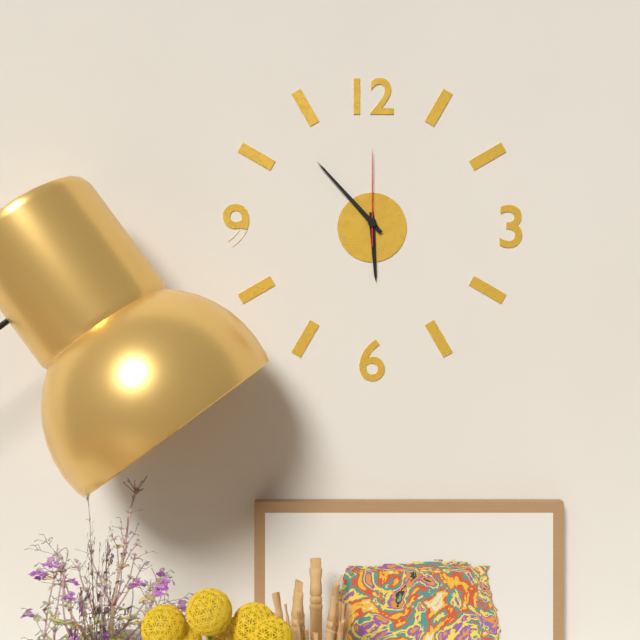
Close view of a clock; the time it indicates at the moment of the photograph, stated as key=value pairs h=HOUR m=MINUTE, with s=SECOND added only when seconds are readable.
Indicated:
h=5 m=53 s=0
